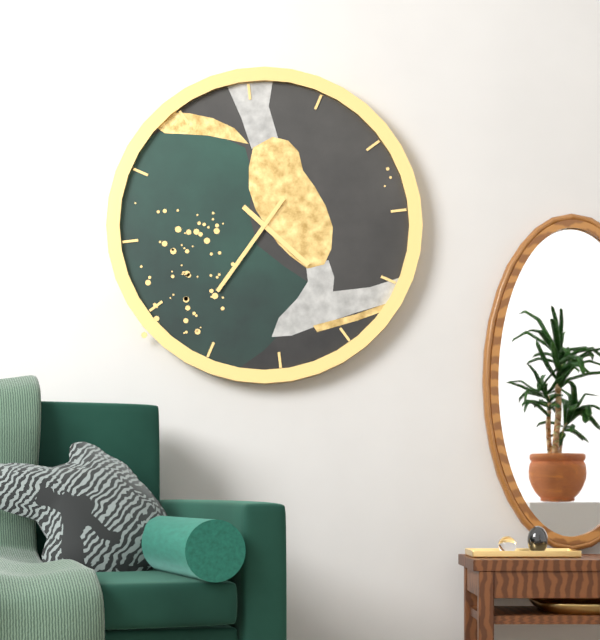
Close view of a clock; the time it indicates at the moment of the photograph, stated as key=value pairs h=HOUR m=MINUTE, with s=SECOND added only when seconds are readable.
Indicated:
h=4 m=37
